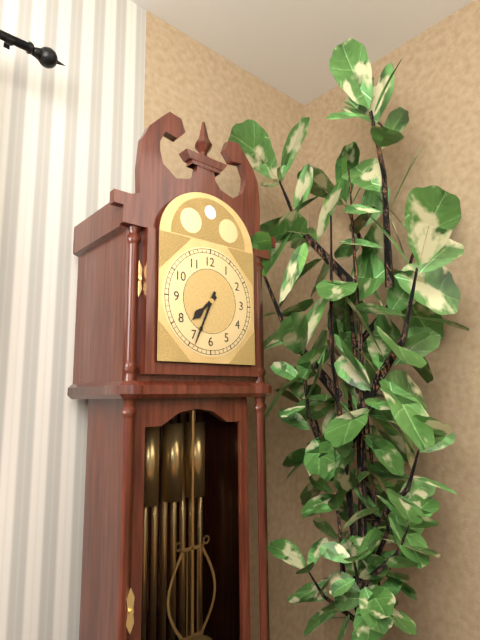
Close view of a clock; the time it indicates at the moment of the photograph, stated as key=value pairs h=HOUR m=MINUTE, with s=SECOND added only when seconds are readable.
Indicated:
h=7 m=34
